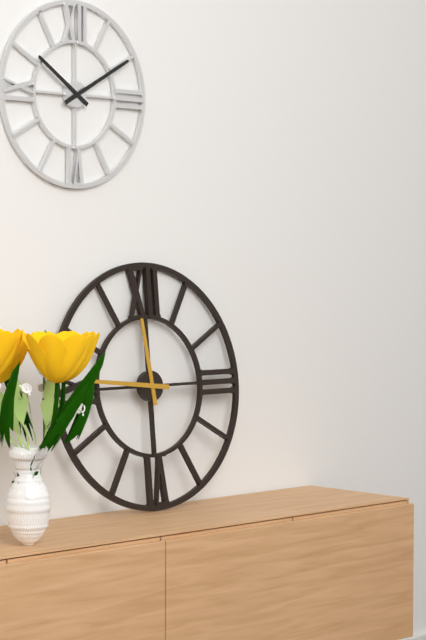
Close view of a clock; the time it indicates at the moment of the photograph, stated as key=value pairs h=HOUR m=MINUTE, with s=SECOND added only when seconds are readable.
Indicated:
h=11 m=46
